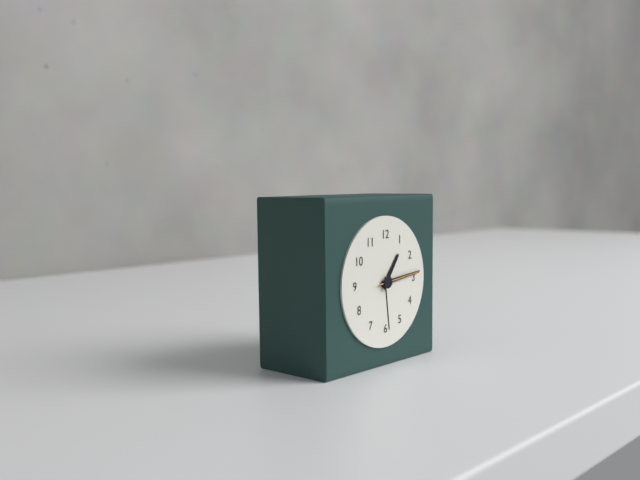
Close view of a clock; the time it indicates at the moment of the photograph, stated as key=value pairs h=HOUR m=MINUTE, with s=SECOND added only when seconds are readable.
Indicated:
h=1 m=14
